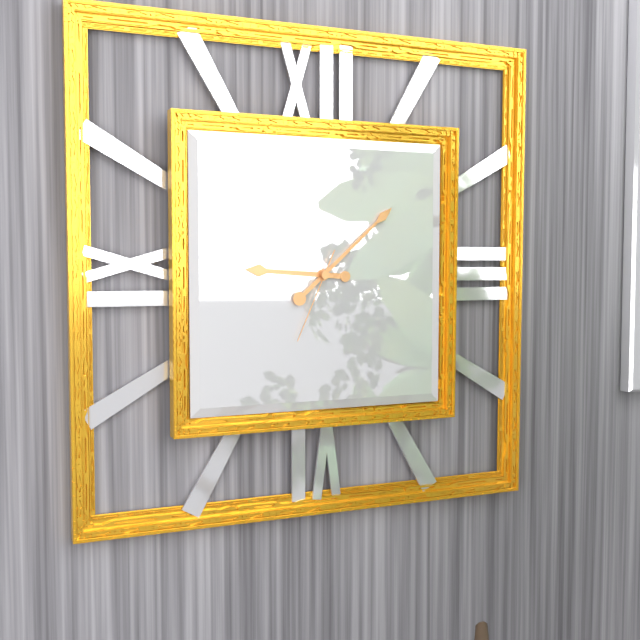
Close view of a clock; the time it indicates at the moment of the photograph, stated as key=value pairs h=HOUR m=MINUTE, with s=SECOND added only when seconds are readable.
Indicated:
h=9 m=8 s=34
